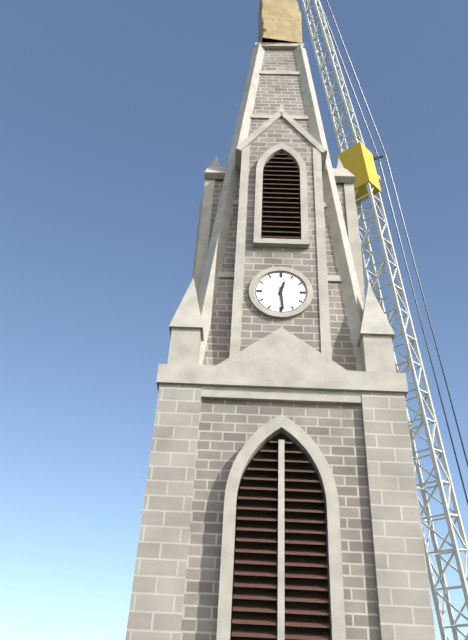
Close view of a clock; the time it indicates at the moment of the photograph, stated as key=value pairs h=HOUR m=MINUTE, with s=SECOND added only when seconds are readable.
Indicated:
h=12 m=29
